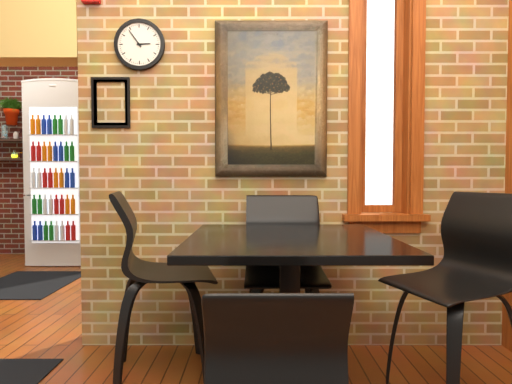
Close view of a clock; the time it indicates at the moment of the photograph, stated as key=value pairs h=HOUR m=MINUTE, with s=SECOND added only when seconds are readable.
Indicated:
h=2 m=54
